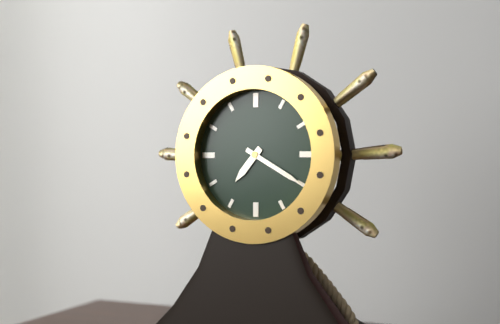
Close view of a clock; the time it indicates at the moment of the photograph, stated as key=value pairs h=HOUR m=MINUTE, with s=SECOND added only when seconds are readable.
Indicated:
h=7 m=20
